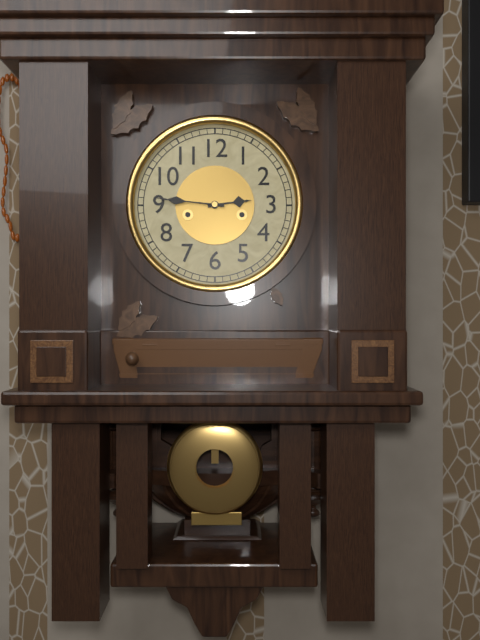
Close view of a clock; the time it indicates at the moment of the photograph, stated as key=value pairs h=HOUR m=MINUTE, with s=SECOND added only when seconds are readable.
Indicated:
h=2 m=46
